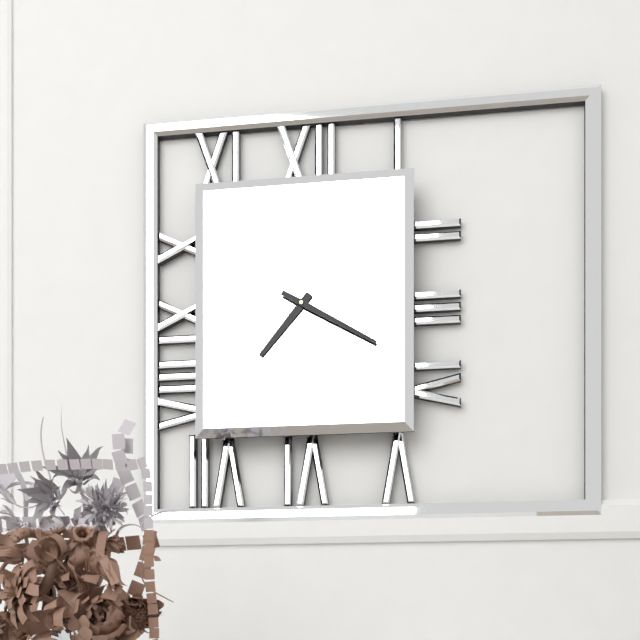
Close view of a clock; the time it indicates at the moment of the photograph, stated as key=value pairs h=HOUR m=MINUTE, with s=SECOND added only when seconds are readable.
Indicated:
h=7 m=20
